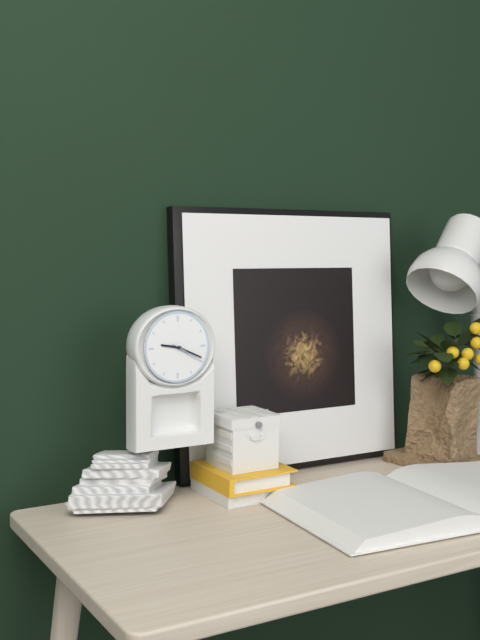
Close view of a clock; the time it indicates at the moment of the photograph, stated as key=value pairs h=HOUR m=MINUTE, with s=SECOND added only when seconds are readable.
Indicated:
h=9 m=19
